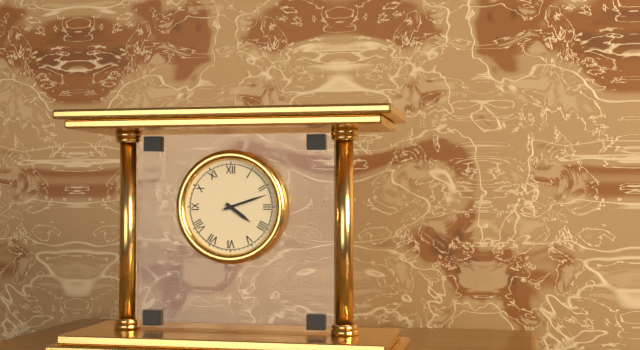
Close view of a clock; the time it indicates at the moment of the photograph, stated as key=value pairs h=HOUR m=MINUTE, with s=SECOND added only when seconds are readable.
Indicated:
h=4 m=12
